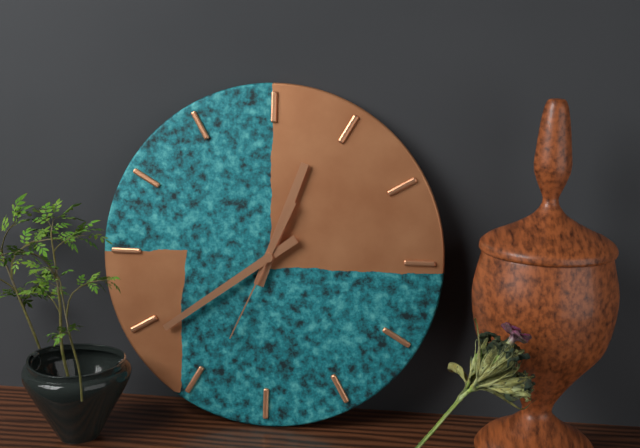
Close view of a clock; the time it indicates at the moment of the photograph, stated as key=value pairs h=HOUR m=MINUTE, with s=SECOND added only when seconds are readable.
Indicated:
h=12 m=39 s=34
